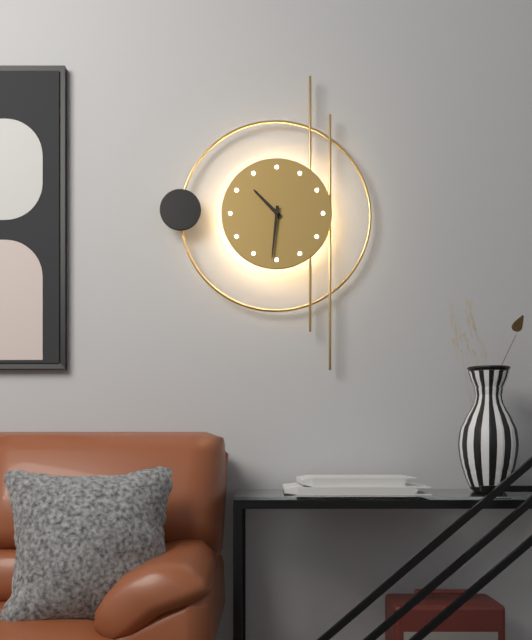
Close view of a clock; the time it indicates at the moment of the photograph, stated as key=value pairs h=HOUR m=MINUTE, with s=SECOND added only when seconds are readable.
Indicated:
h=10 m=31
